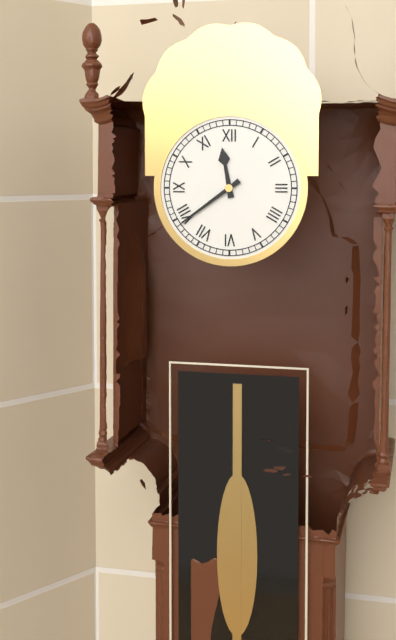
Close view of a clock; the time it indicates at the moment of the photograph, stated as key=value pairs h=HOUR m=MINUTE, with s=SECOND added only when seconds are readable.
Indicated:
h=11 m=39
